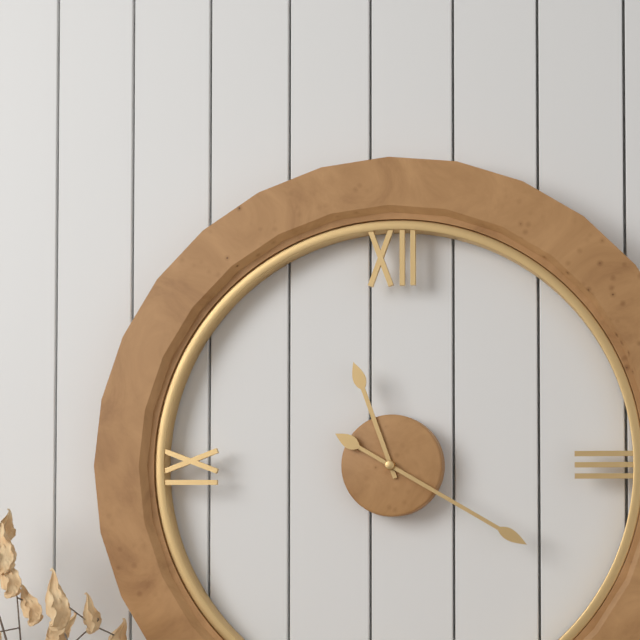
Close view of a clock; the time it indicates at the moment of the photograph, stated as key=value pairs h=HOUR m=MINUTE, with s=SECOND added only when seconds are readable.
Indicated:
h=11 m=20
